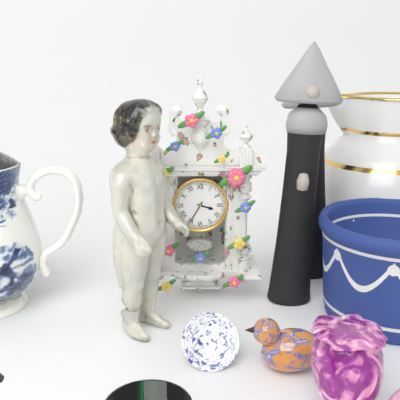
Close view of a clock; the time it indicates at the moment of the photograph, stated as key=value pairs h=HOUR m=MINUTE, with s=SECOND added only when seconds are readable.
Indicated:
h=3 m=35
